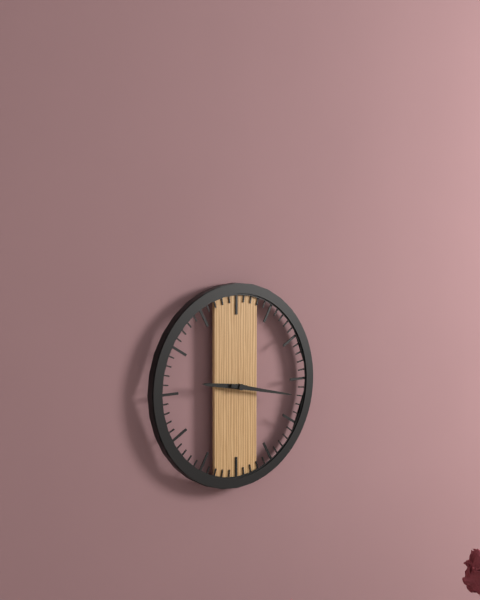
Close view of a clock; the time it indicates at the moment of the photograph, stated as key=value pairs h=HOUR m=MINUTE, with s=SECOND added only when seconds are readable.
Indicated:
h=9 m=17
